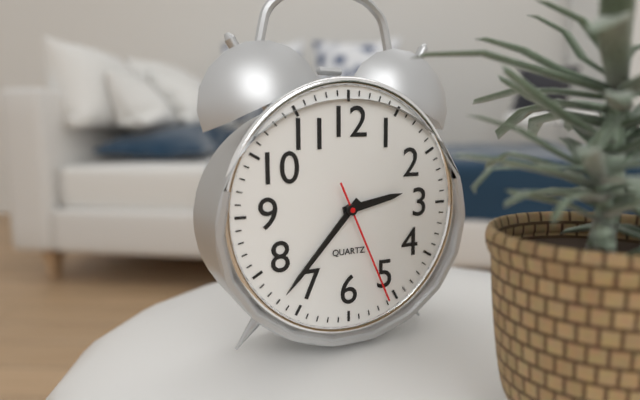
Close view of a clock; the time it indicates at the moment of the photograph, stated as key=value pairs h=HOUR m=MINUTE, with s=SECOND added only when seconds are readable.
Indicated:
h=2 m=37 s=26
